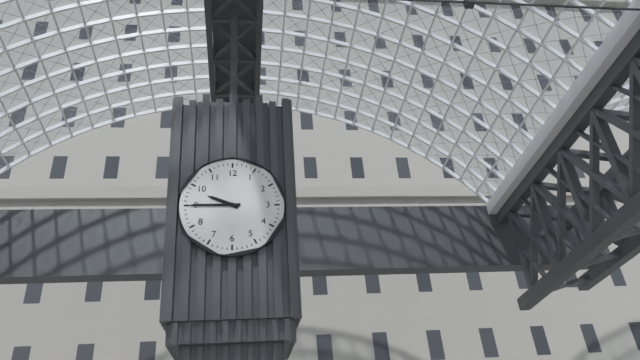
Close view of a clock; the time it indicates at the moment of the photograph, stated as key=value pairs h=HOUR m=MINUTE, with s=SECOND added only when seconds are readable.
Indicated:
h=9 m=45
